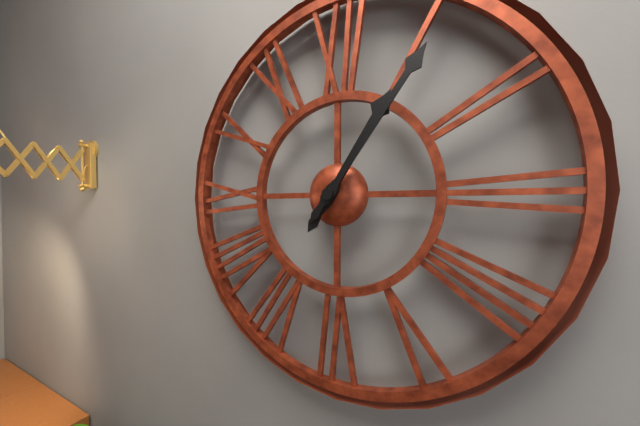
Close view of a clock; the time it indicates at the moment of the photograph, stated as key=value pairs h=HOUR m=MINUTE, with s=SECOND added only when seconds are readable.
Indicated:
h=1 m=6
